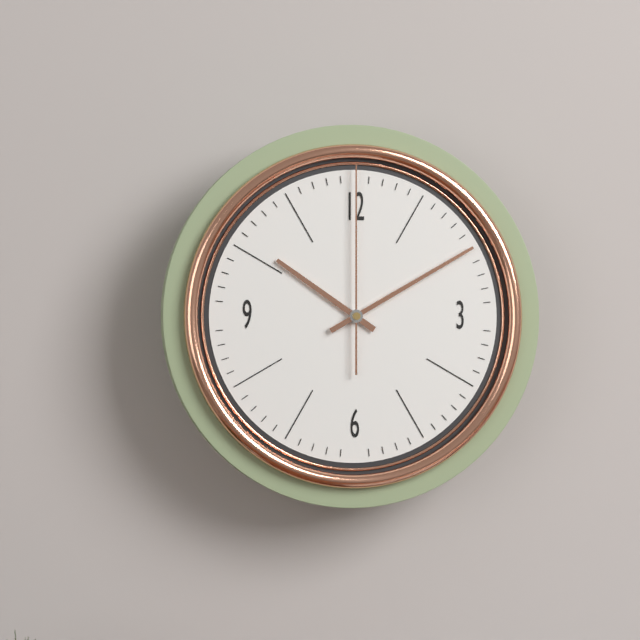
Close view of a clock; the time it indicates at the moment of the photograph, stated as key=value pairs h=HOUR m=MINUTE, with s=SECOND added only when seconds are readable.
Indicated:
h=10 m=10 s=0
